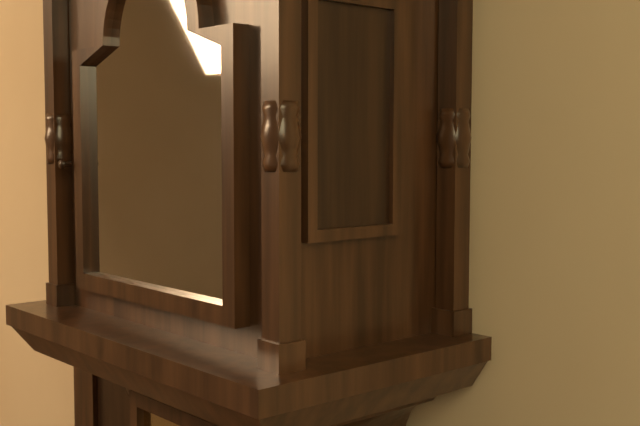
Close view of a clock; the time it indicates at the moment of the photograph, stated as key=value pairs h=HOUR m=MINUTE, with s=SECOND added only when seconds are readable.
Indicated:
h=12 m=31
